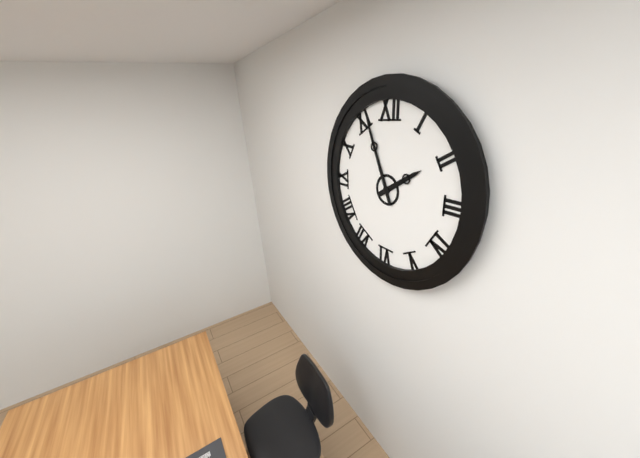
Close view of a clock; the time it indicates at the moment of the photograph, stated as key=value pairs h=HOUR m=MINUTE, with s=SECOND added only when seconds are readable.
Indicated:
h=1 m=56
